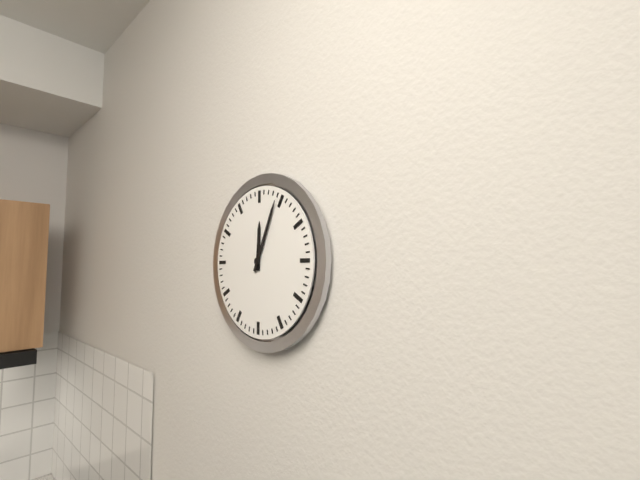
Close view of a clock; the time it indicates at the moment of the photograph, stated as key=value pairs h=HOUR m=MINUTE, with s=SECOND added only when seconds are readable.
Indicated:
h=12 m=4
